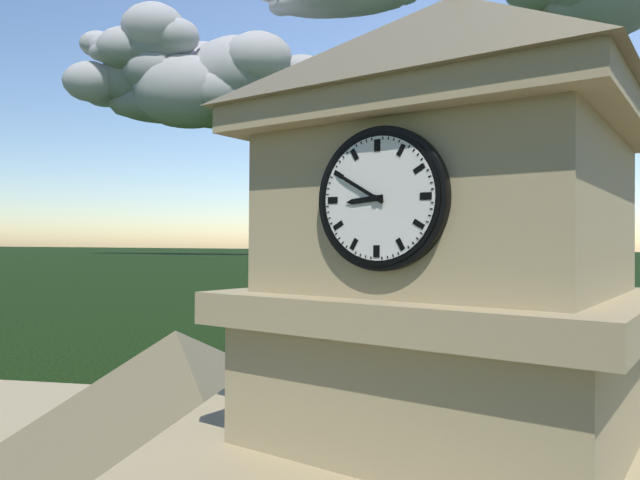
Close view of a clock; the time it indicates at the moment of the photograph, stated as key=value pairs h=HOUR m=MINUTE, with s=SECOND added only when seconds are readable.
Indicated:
h=8 m=50
